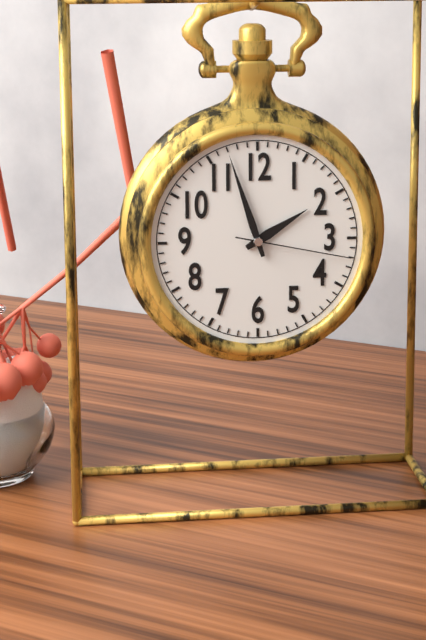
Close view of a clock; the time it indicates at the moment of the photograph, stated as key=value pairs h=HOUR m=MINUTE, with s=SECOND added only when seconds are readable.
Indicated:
h=1 m=57 s=17
